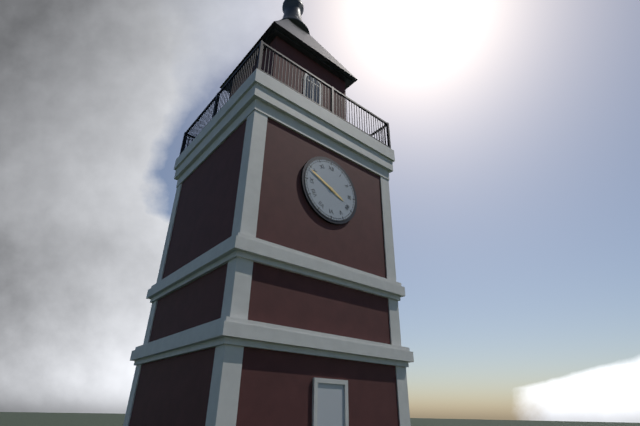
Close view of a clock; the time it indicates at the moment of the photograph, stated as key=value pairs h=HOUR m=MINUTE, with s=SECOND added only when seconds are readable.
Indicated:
h=3 m=49
